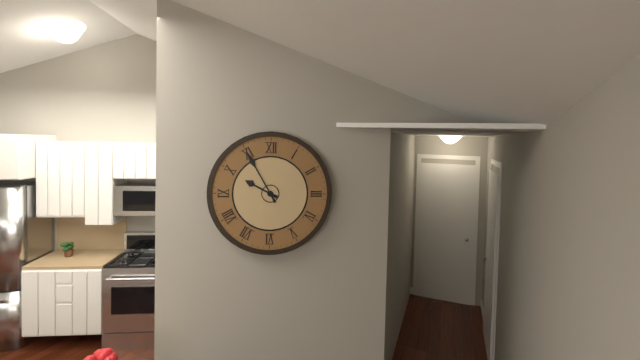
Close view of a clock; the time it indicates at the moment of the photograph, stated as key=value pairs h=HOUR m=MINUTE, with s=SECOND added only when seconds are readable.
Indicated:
h=9 m=55
